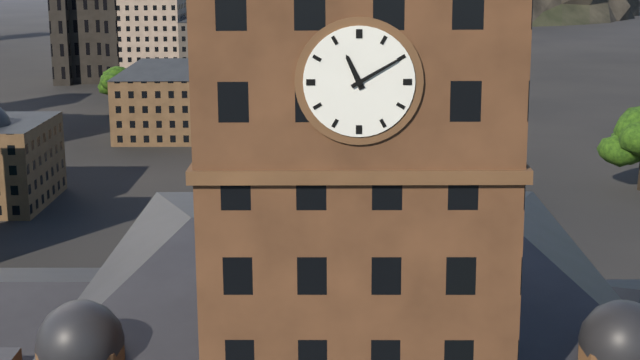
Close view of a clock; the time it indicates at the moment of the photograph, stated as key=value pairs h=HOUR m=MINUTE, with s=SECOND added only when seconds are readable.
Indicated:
h=11 m=10
